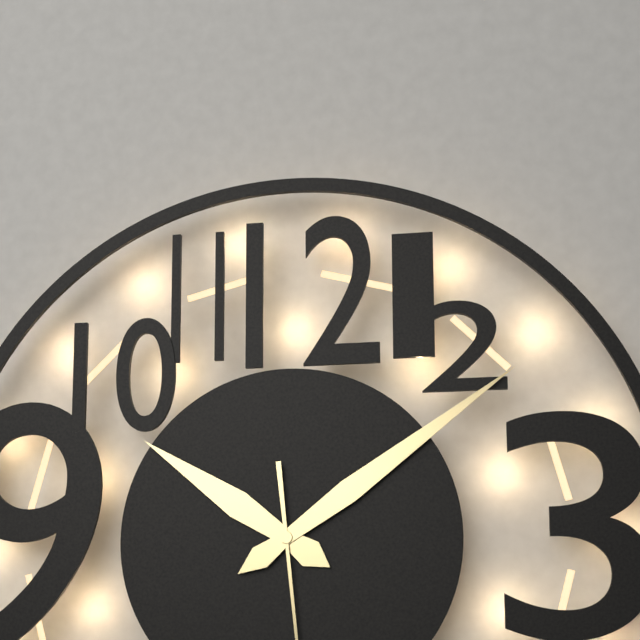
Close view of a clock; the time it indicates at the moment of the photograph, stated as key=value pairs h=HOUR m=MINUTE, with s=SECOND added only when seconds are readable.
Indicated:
h=10 m=9
